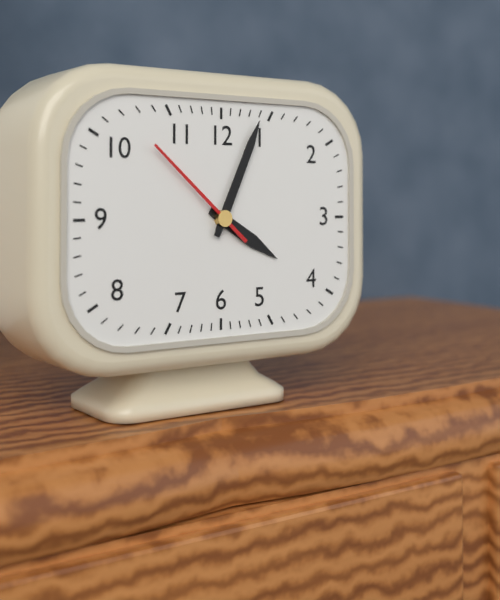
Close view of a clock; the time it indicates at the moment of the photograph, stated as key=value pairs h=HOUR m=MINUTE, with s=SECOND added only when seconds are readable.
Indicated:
h=4 m=4 s=52
